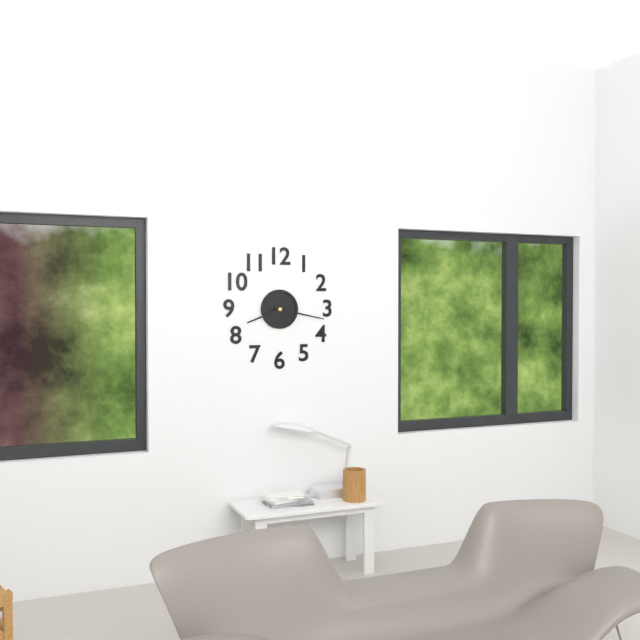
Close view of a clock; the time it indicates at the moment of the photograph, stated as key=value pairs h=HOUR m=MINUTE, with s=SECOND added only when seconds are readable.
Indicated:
h=8 m=17
